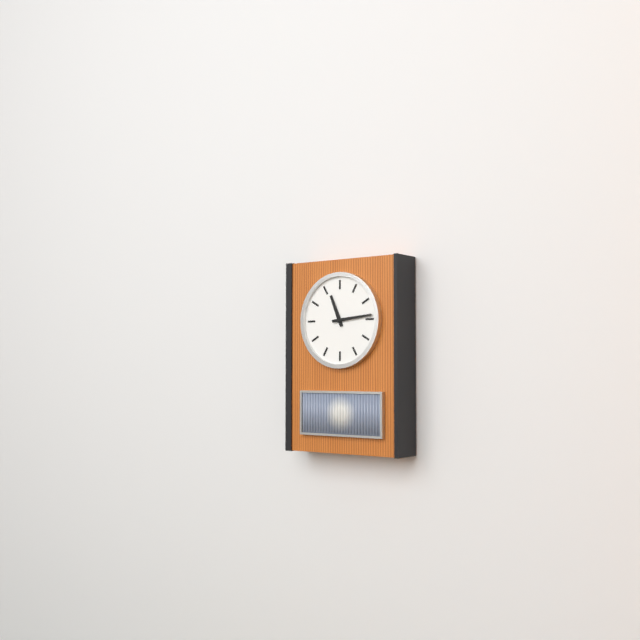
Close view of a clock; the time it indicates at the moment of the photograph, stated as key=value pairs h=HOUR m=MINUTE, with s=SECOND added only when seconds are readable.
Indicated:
h=11 m=14
